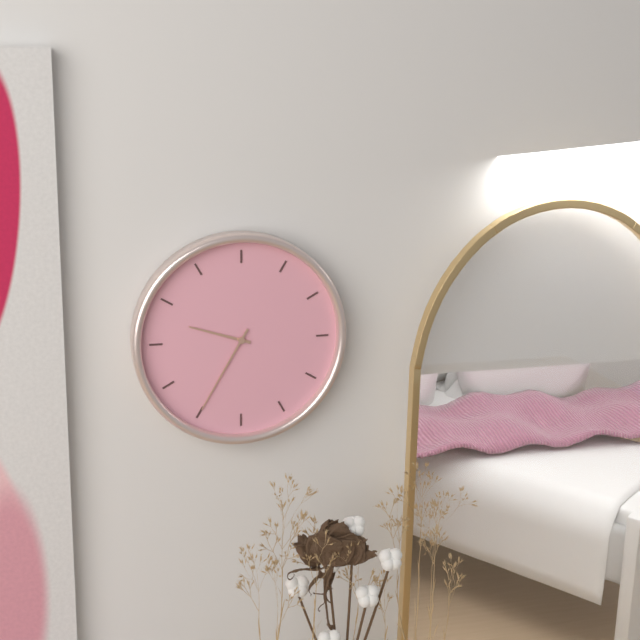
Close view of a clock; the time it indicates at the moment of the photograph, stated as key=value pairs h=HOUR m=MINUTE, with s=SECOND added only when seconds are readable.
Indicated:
h=9 m=35
